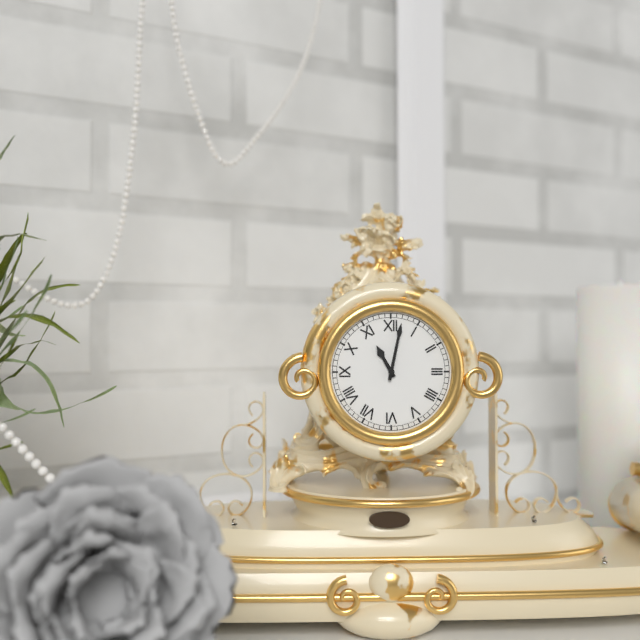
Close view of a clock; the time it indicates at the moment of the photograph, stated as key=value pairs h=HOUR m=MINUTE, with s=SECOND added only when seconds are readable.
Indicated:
h=11 m=2
